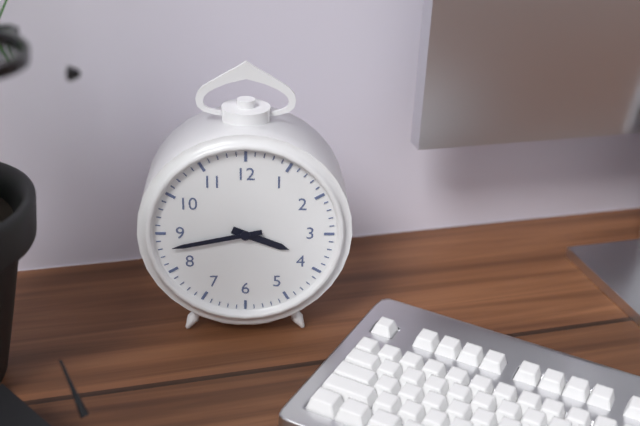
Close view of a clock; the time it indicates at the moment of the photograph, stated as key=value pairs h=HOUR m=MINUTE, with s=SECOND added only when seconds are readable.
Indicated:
h=3 m=43
